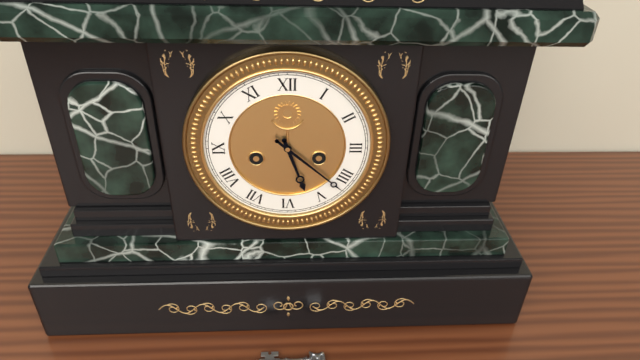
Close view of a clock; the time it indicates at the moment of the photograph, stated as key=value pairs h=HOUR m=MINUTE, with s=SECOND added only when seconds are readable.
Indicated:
h=5 m=22
